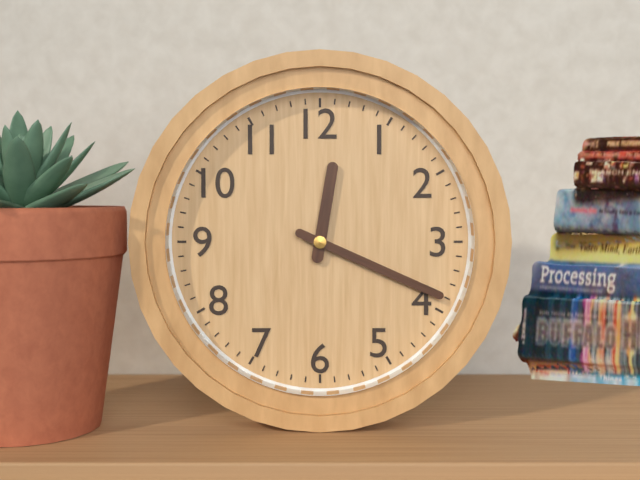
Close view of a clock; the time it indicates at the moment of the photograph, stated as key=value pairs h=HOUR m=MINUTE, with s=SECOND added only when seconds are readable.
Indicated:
h=12 m=19
